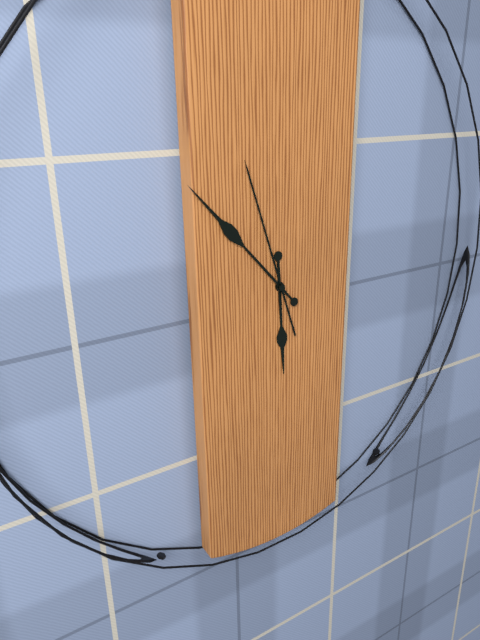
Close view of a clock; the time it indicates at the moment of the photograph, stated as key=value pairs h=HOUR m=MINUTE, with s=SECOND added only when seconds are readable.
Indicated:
h=5 m=53 s=57
